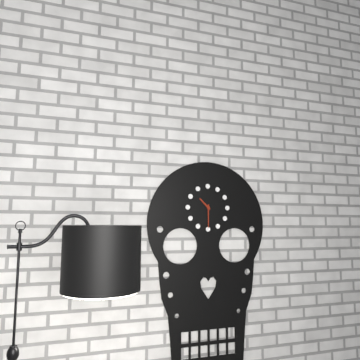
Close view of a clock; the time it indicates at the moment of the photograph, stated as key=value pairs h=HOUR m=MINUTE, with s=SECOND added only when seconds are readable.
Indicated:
h=10 m=30
